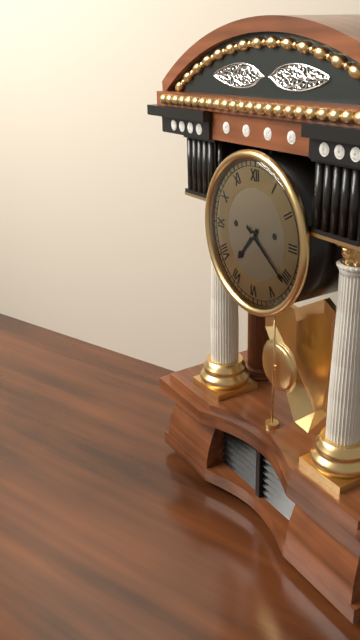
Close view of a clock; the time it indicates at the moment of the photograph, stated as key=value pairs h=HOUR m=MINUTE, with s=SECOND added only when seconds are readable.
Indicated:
h=7 m=21
